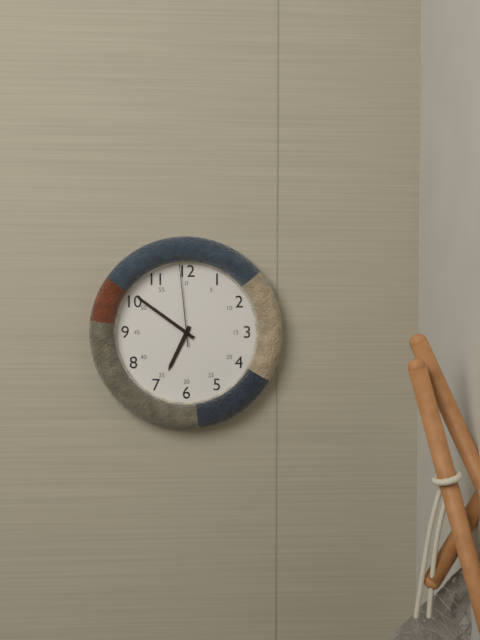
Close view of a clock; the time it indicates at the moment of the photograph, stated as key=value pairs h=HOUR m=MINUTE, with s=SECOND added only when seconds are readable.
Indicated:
h=6 m=51 s=59
